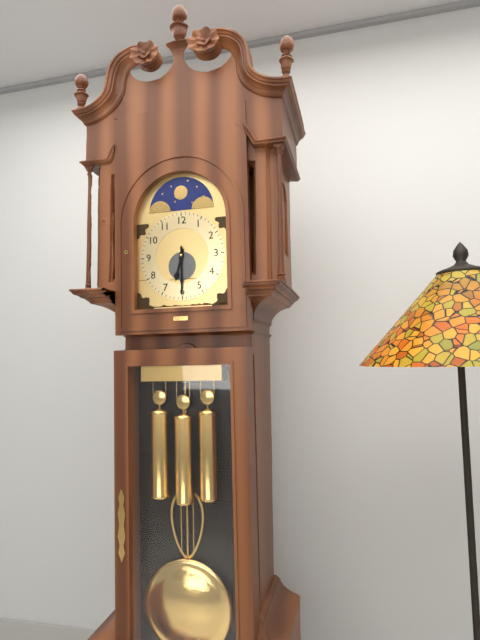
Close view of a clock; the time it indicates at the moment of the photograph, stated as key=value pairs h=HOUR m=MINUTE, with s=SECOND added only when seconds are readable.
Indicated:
h=6 m=30
